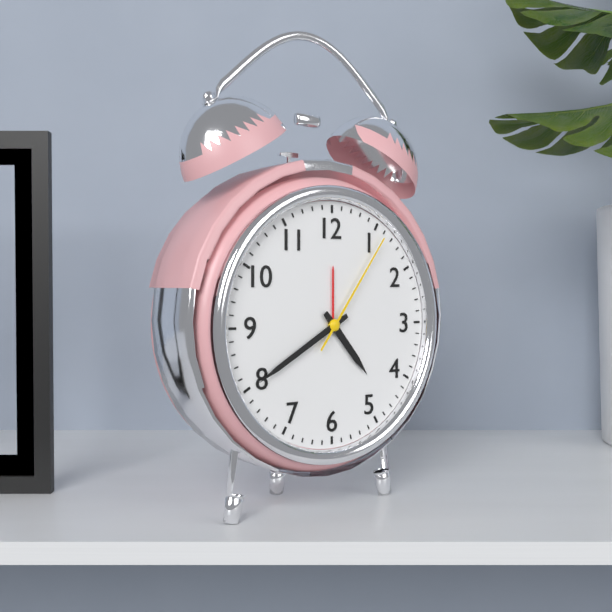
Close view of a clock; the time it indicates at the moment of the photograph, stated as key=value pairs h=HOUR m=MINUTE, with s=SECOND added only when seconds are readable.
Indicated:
h=4 m=40 s=6
